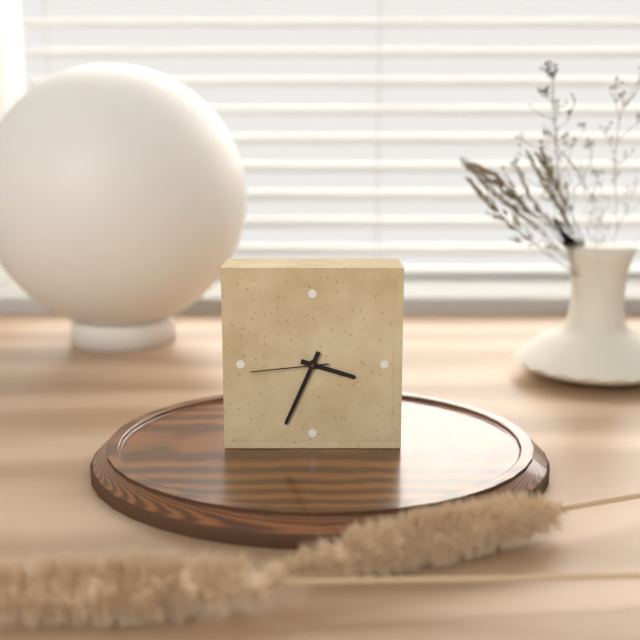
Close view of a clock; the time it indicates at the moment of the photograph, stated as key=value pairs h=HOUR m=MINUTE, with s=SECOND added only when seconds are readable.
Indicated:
h=3 m=34 s=44
